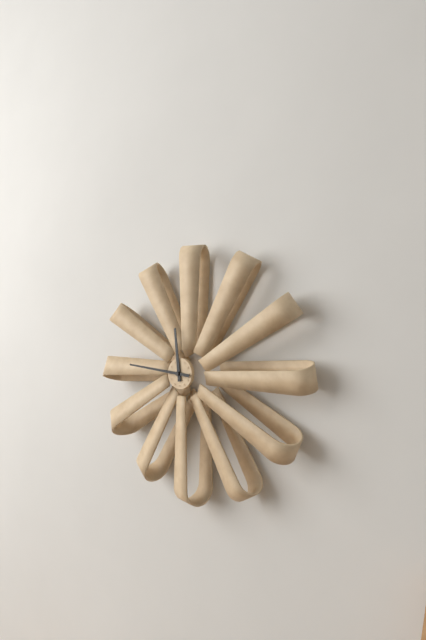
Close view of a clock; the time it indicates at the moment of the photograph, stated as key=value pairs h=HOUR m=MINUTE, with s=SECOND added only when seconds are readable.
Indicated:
h=11 m=46
